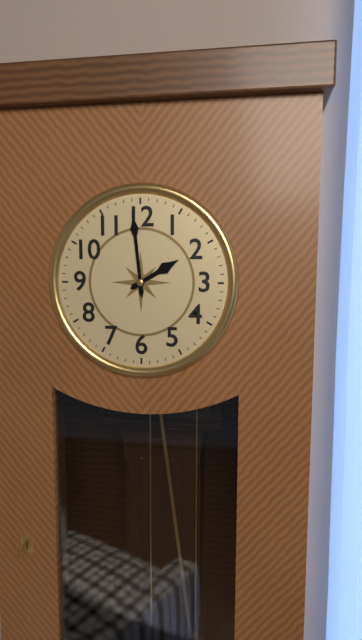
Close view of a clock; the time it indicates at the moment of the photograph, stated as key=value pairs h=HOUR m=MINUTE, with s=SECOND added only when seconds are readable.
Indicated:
h=1 m=59
